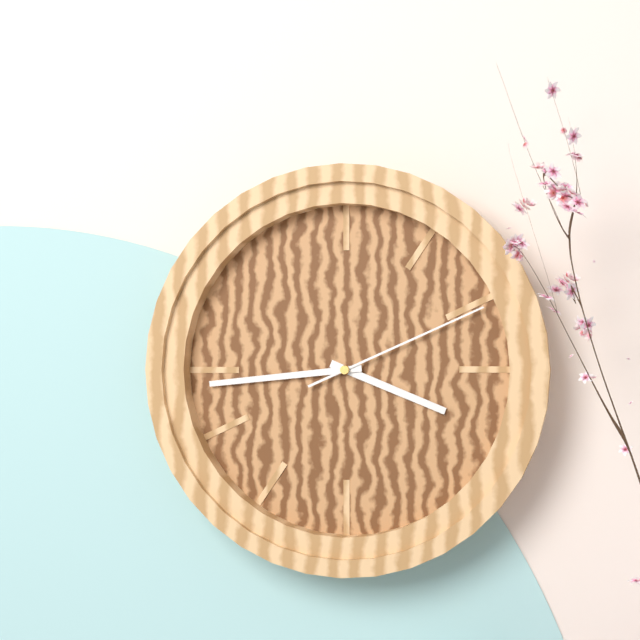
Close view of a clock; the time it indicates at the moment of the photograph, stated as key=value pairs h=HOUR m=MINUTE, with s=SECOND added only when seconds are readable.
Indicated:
h=3 m=44 s=11
